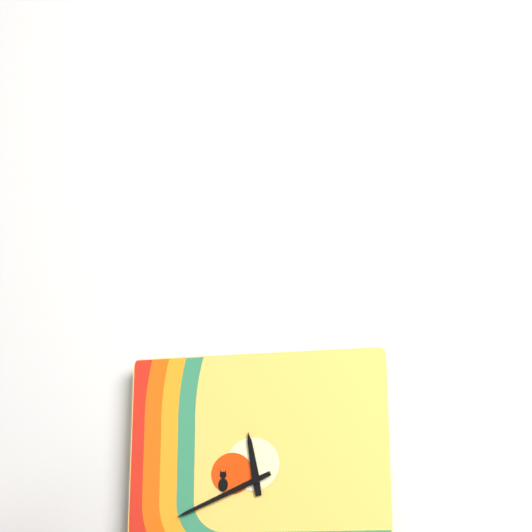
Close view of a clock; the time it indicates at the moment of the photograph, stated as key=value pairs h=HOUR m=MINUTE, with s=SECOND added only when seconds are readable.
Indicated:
h=11 m=41
